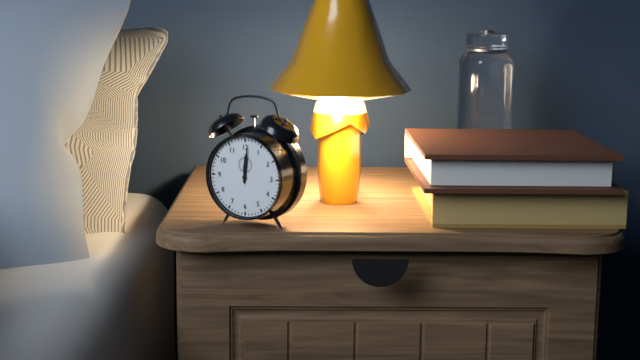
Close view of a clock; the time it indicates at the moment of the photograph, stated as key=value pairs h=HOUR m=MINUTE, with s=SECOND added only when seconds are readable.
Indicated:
h=12 m=1
